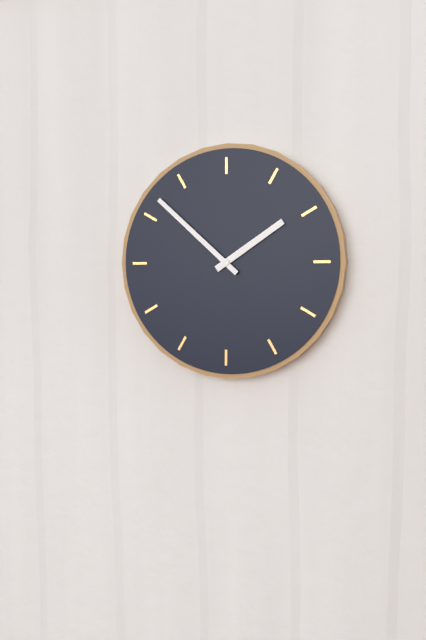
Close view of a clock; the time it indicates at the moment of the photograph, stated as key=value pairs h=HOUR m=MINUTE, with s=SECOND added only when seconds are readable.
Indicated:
h=1 m=52
